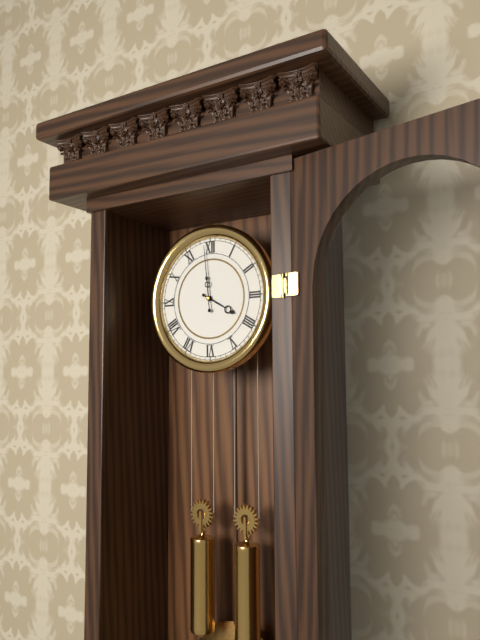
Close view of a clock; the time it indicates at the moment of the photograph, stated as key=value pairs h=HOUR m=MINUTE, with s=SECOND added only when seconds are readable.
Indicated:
h=3 m=59
